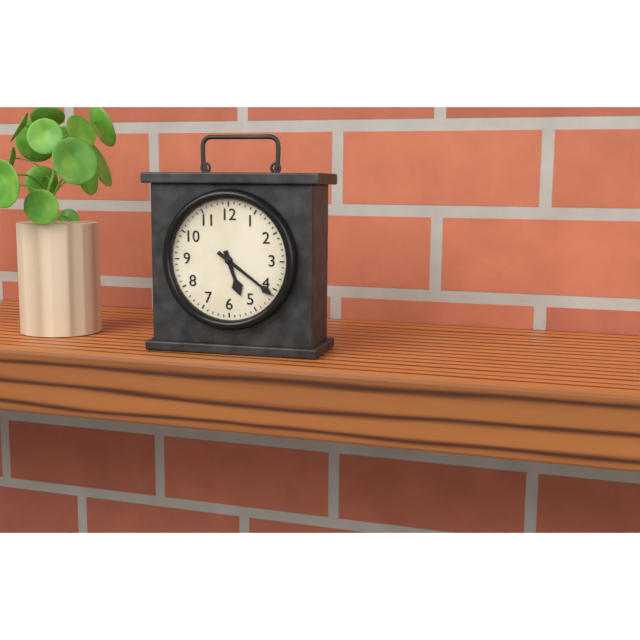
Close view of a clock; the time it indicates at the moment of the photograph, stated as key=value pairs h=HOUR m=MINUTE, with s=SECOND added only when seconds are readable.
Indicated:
h=5 m=21
